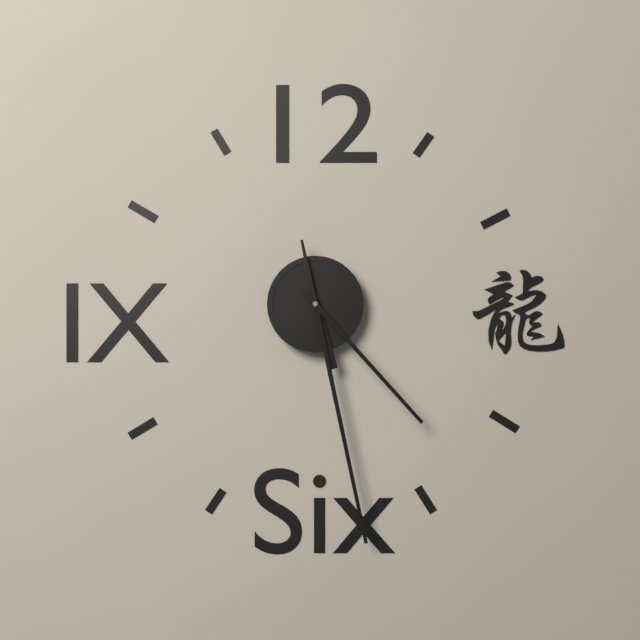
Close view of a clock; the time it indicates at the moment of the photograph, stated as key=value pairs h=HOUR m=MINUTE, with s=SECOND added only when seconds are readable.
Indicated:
h=5 m=28 s=23
